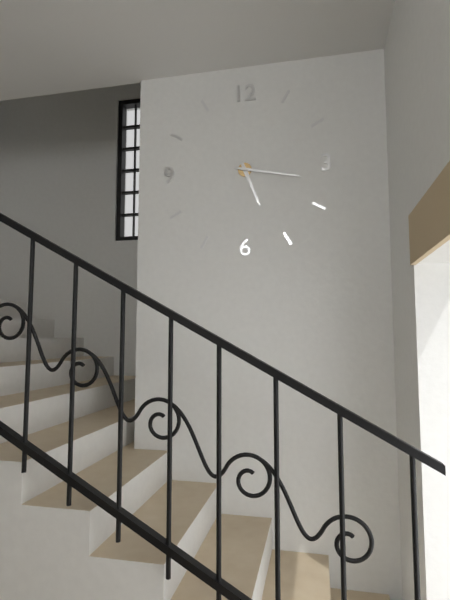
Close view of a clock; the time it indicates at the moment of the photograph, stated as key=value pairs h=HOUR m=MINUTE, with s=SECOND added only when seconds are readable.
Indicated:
h=5 m=17
